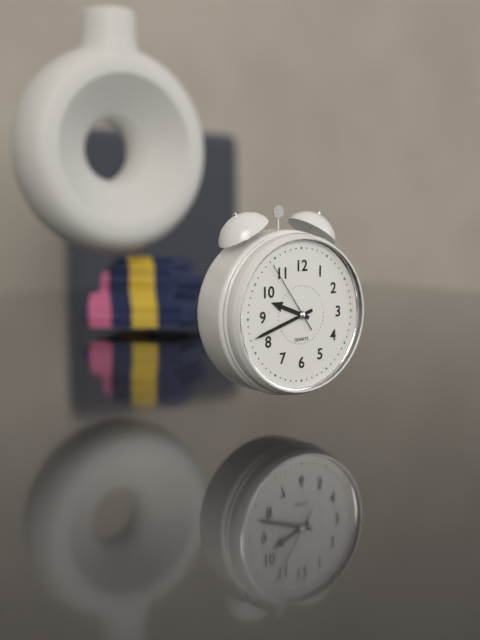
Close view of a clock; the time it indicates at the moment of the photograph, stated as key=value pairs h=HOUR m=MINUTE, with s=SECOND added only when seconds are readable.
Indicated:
h=9 m=42 s=54
